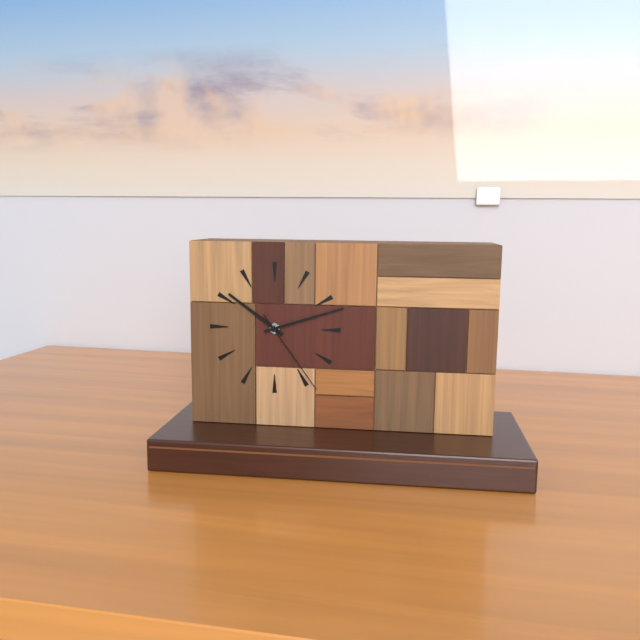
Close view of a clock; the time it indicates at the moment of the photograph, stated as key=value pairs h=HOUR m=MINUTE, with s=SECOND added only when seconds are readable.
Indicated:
h=10 m=12 s=24
